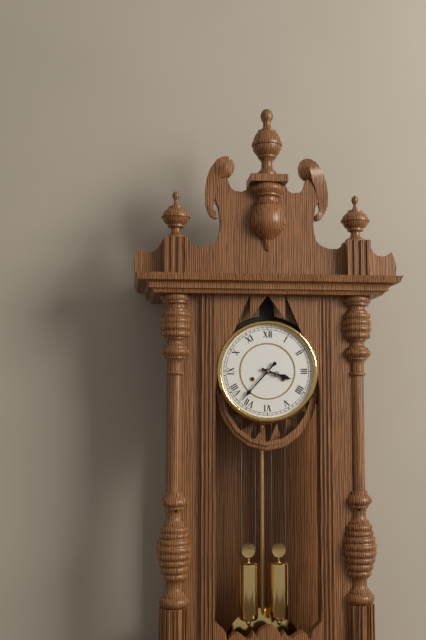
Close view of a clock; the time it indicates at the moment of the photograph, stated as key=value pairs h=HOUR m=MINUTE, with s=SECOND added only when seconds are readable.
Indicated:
h=3 m=37
